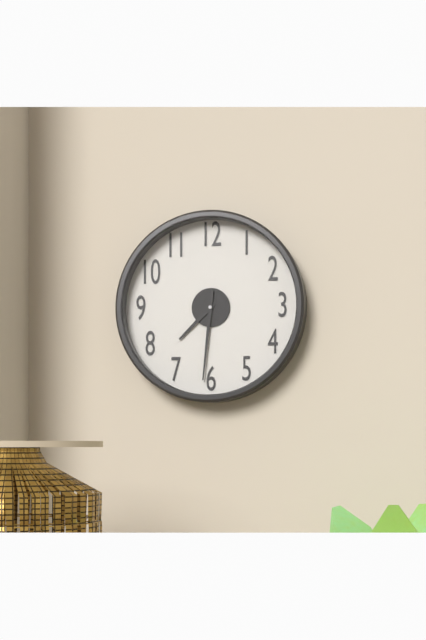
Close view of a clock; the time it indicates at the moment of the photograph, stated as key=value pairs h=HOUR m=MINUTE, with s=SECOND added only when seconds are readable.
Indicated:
h=7 m=31
